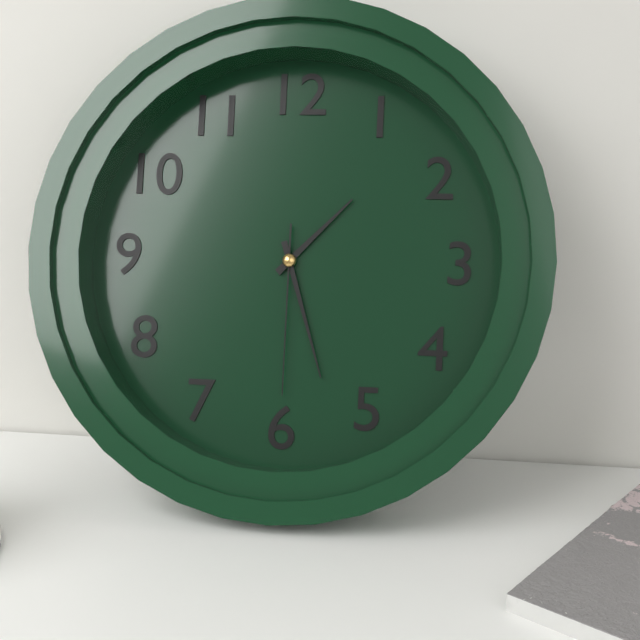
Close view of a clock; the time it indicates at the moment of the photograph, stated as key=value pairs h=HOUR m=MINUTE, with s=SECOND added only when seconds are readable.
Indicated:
h=1 m=27 s=30
